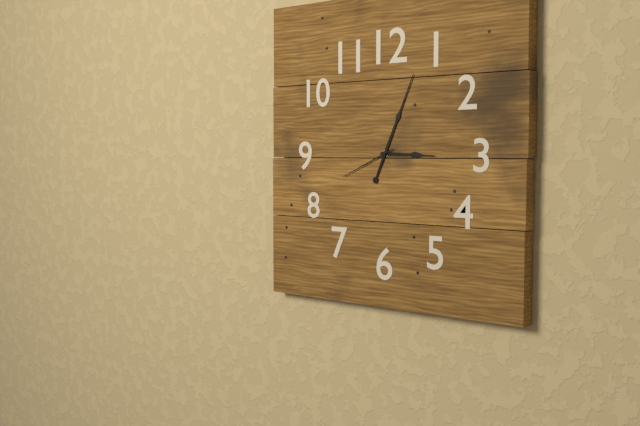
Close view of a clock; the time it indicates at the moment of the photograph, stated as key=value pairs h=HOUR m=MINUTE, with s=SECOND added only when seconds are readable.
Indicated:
h=3 m=4 s=41
